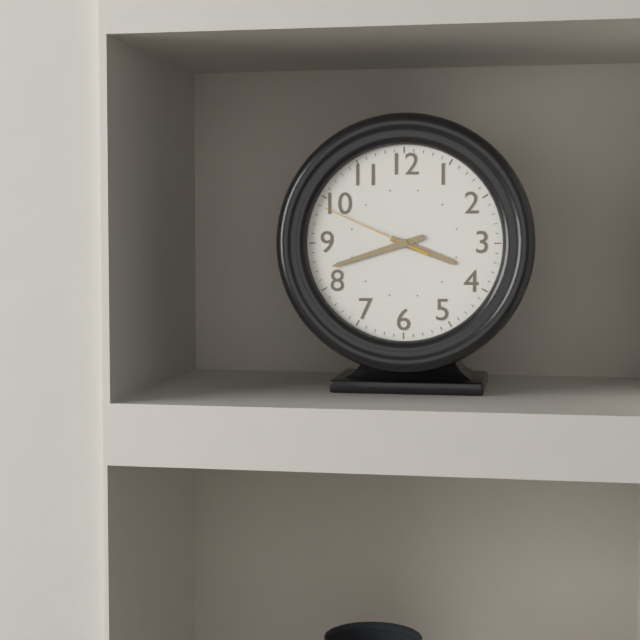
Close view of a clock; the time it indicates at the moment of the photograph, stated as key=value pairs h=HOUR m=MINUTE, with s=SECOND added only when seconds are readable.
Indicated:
h=3 m=42 s=49
